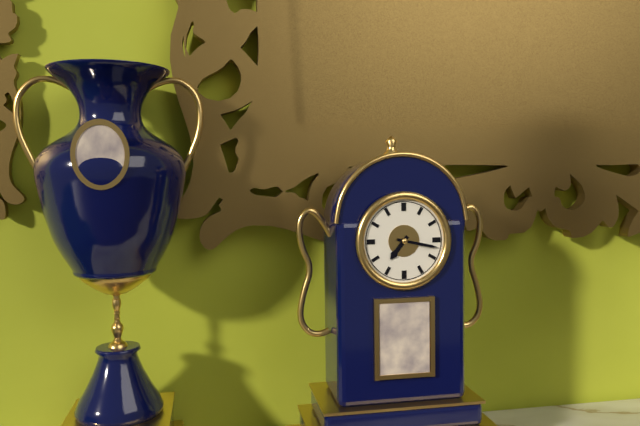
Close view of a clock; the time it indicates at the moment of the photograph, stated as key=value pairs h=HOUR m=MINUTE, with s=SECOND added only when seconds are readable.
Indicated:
h=7 m=17
